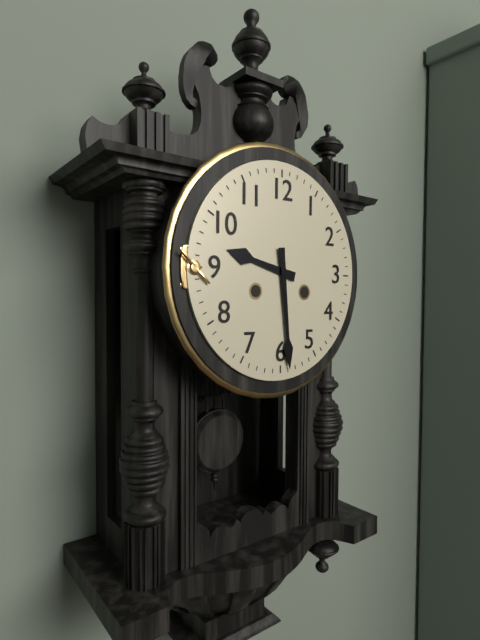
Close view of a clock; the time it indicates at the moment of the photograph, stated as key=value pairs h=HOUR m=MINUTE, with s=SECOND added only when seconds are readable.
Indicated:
h=9 m=29
